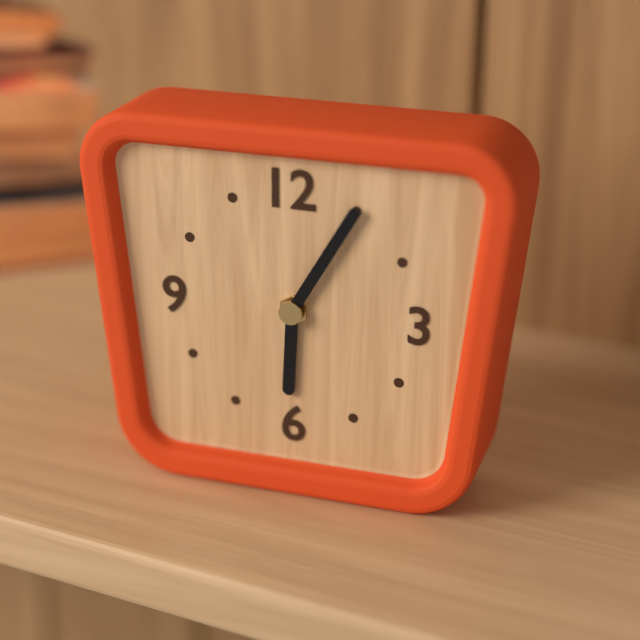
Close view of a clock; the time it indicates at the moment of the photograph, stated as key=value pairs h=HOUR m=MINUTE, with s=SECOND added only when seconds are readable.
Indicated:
h=6 m=5
